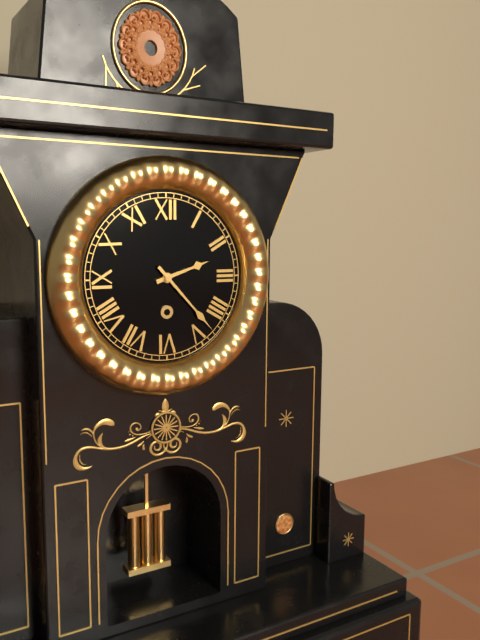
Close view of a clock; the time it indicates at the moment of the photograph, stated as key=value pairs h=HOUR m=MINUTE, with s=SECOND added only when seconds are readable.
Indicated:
h=2 m=23
